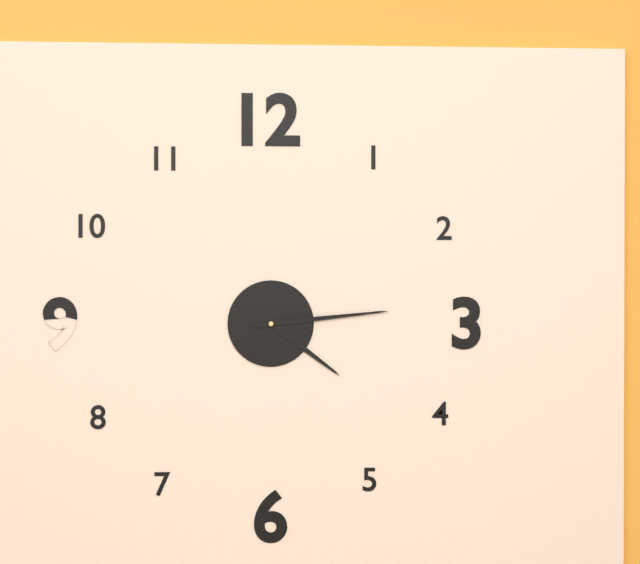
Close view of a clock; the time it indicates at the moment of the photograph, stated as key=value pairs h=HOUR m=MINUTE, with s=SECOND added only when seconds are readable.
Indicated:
h=4 m=14
